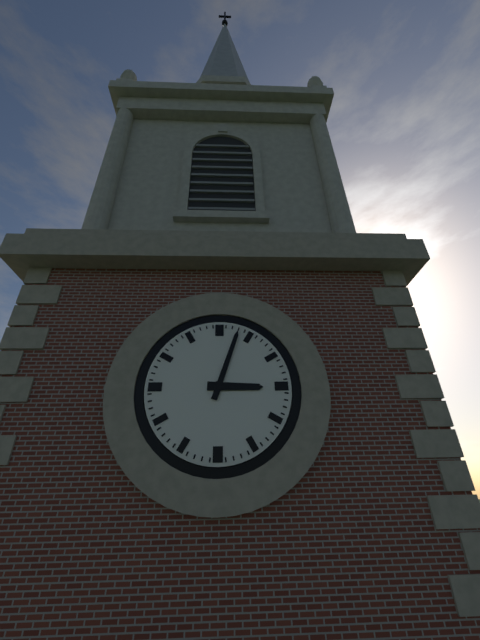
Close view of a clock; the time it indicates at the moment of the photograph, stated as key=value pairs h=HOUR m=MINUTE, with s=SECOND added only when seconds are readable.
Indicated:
h=3 m=3
